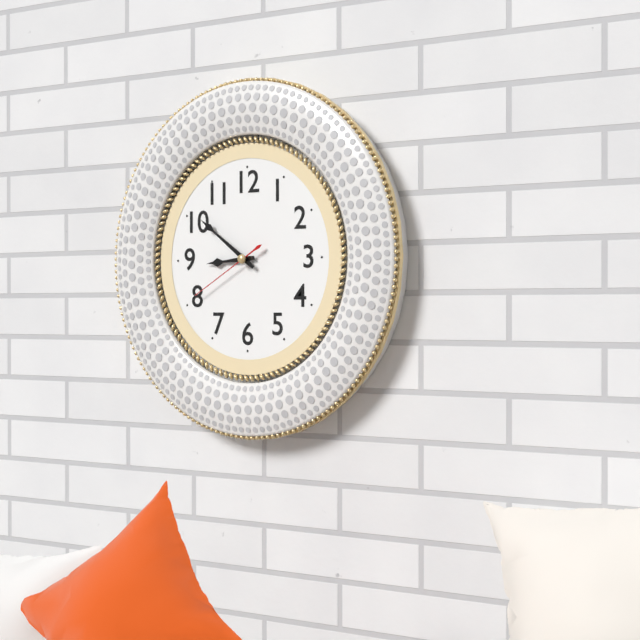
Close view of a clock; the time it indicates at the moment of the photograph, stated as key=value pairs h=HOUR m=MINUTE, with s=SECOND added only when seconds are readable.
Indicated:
h=8 m=51 s=40
